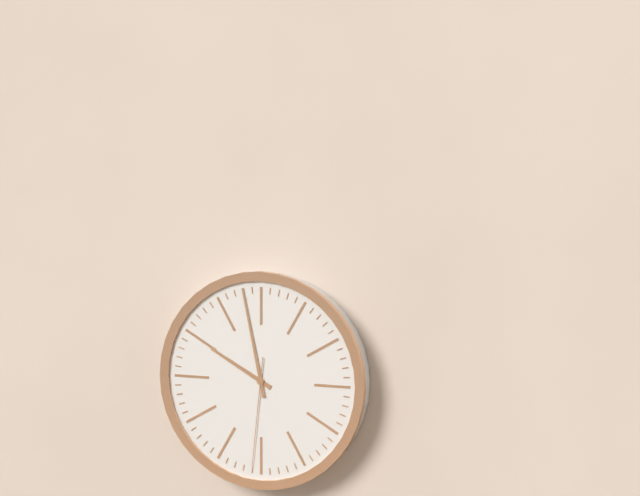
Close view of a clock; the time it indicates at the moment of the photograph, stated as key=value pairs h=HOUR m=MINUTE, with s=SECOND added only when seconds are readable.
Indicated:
h=9 m=58 s=31
